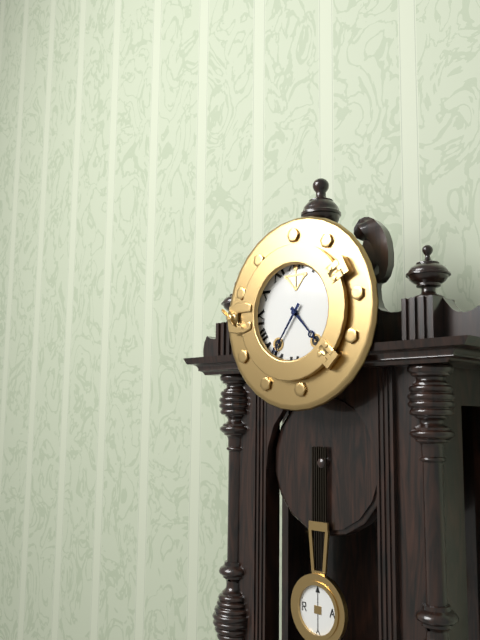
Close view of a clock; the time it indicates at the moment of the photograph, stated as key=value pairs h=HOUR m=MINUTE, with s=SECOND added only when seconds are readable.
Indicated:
h=4 m=36
